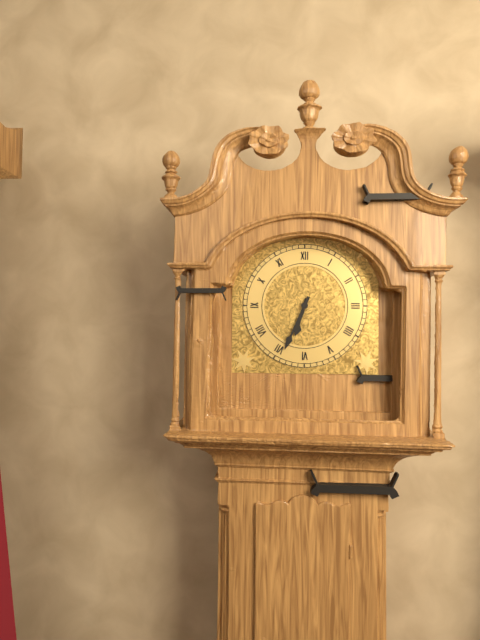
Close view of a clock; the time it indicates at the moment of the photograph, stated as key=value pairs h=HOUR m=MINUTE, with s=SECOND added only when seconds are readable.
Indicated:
h=6 m=34
